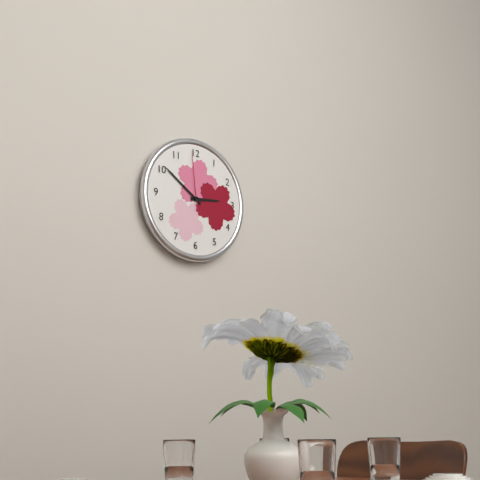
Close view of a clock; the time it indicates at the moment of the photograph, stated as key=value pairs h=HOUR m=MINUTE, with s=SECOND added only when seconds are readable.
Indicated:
h=2 m=51 s=59
